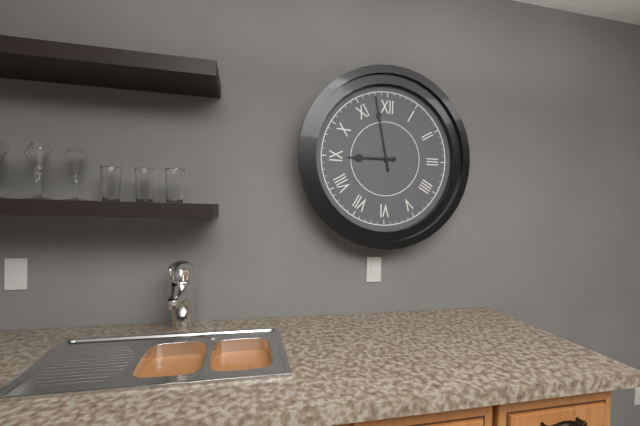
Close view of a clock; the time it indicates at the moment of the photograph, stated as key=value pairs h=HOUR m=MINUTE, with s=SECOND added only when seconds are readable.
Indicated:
h=8 m=58
